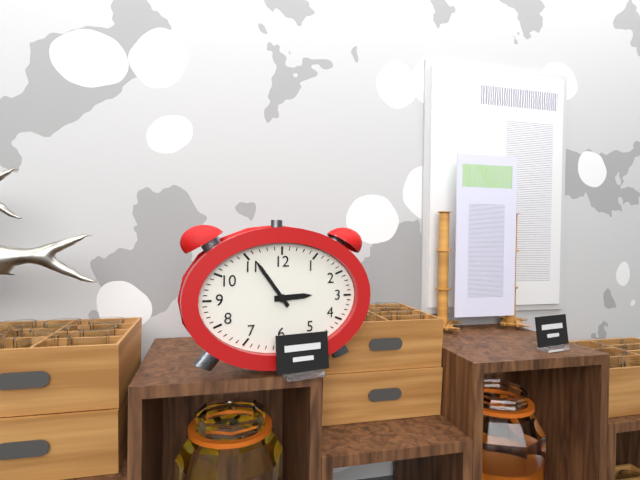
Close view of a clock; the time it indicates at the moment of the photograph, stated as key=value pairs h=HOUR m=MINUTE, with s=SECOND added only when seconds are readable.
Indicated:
h=2 m=54
